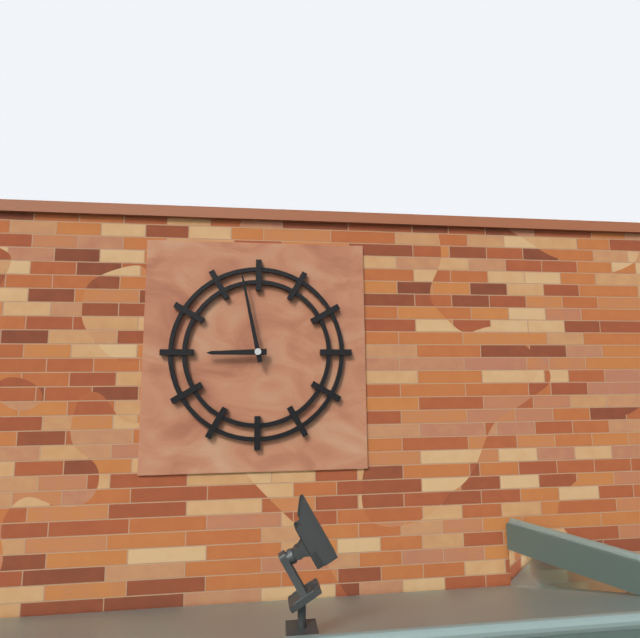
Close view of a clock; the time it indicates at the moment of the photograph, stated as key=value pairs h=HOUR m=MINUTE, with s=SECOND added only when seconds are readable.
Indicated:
h=8 m=58
